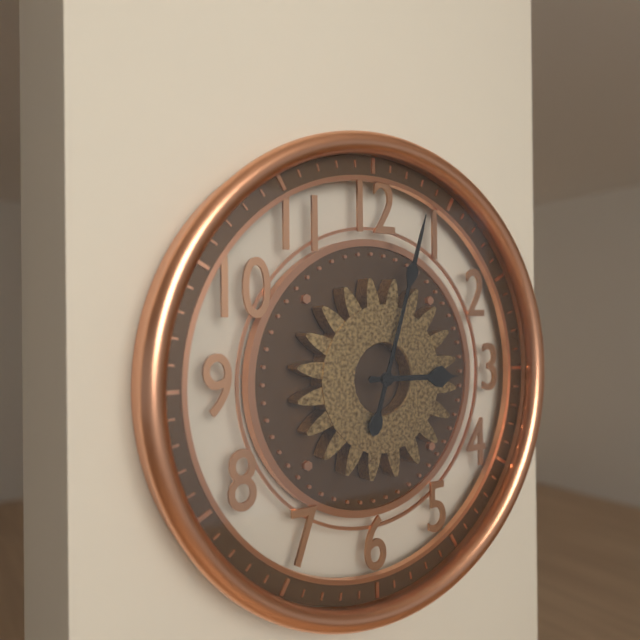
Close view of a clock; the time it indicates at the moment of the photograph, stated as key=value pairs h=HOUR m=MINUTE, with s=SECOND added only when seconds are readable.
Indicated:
h=3 m=3
